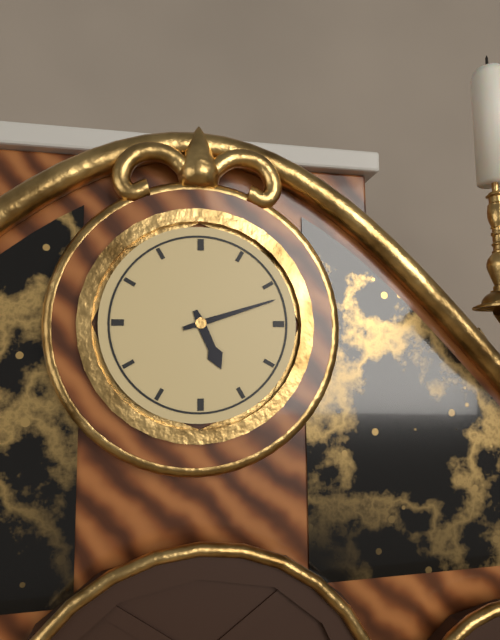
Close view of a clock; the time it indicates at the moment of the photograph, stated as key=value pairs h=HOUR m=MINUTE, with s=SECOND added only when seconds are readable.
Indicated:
h=5 m=12
